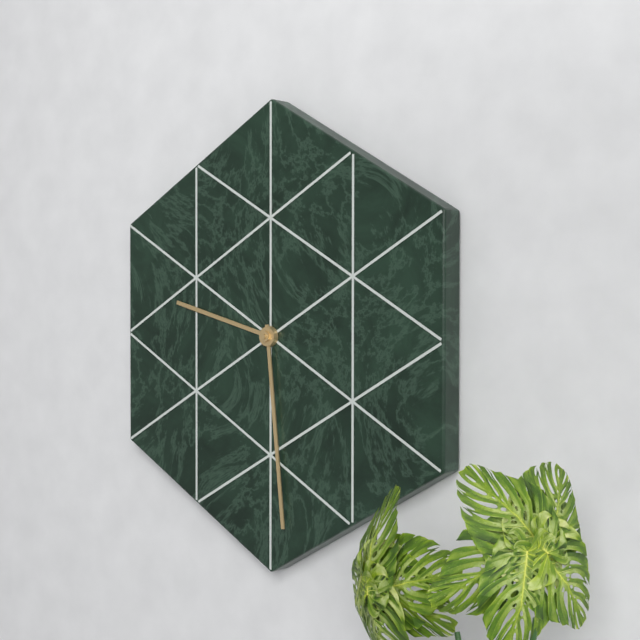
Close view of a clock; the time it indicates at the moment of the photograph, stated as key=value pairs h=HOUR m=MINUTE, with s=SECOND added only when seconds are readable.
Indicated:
h=9 m=29
